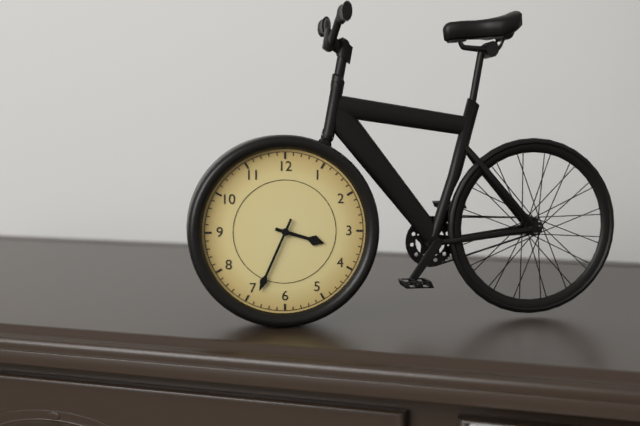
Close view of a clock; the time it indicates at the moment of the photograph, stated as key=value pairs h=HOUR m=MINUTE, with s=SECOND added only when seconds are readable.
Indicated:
h=3 m=34
